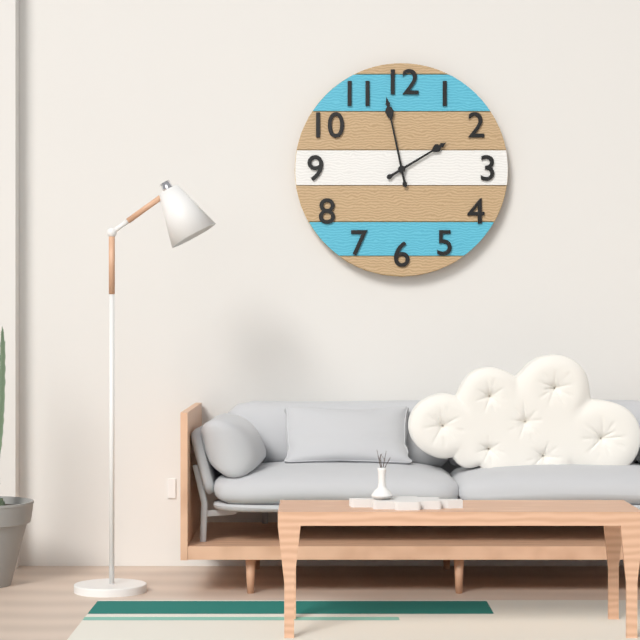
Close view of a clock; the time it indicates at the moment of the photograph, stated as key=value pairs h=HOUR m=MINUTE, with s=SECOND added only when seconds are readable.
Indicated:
h=1 m=58
